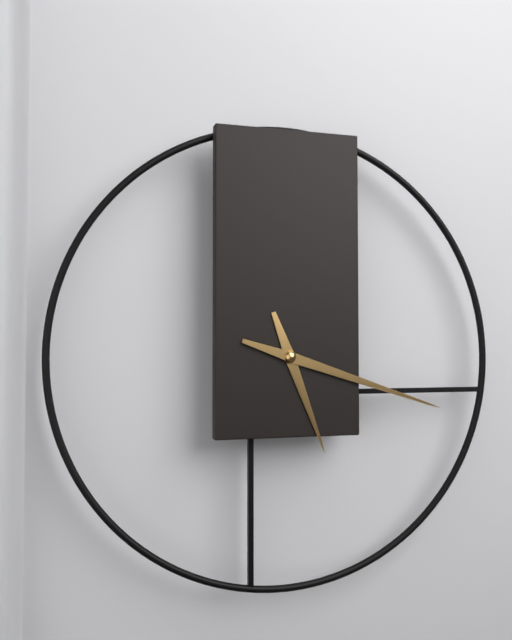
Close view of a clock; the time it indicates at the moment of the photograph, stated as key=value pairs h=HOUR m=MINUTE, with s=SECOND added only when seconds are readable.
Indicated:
h=5 m=18
